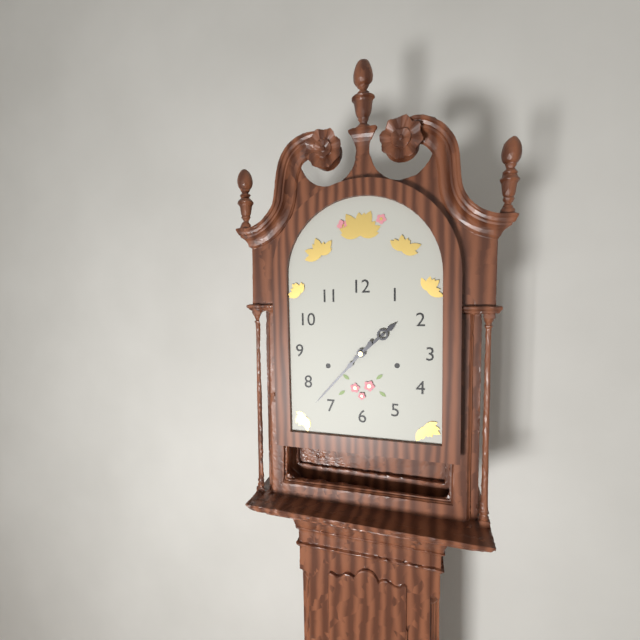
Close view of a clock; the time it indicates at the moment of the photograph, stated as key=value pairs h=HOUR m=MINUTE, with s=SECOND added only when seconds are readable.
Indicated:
h=1 m=37
